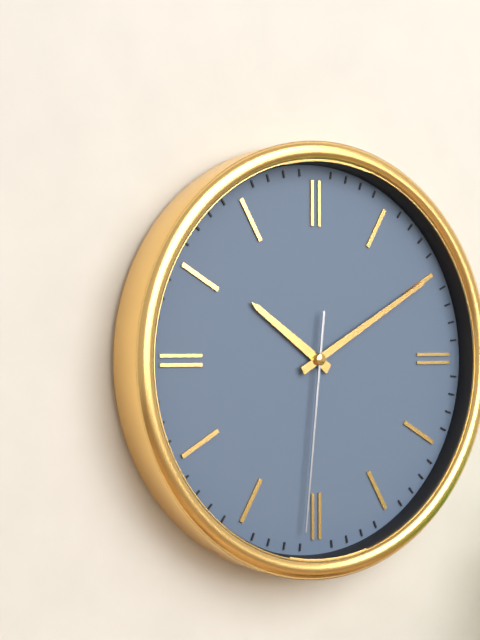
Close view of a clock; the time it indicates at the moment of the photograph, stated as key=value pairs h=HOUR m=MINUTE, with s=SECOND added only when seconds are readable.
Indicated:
h=10 m=10 s=31
